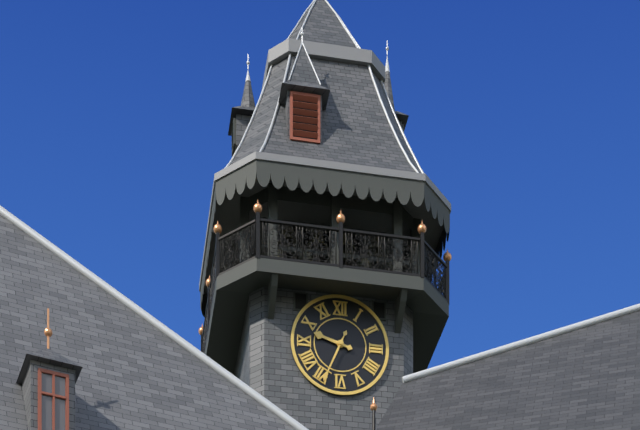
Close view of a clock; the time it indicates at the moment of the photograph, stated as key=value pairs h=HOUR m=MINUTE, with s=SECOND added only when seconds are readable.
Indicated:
h=9 m=34
